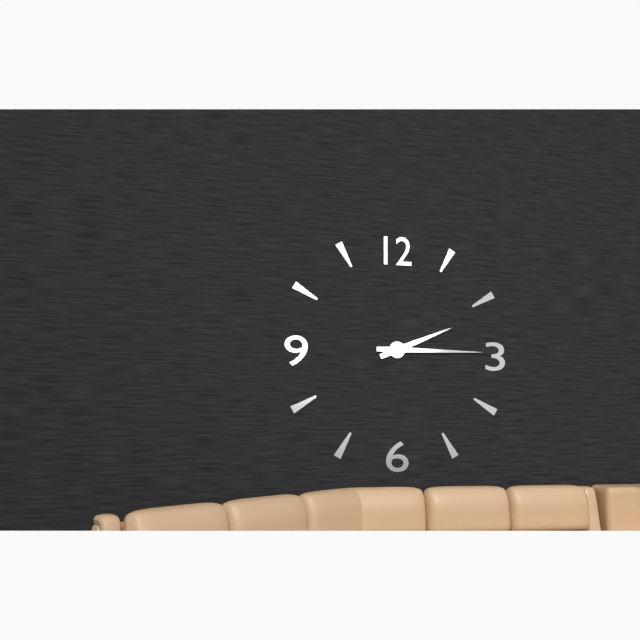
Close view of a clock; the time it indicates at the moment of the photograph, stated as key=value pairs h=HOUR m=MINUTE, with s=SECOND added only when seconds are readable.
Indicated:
h=2 m=15
